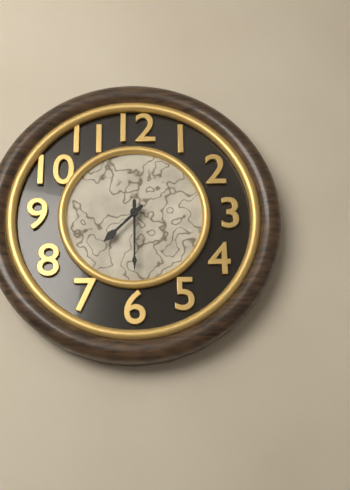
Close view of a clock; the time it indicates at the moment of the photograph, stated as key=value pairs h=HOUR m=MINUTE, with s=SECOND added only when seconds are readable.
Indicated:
h=7 m=30
